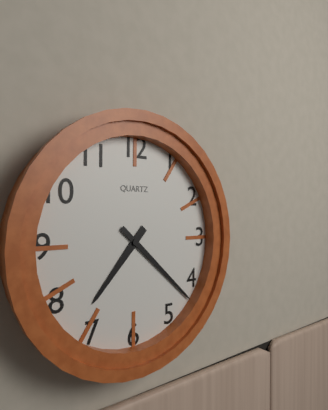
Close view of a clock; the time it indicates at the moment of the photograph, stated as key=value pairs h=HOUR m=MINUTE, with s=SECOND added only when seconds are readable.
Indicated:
h=7 m=22
